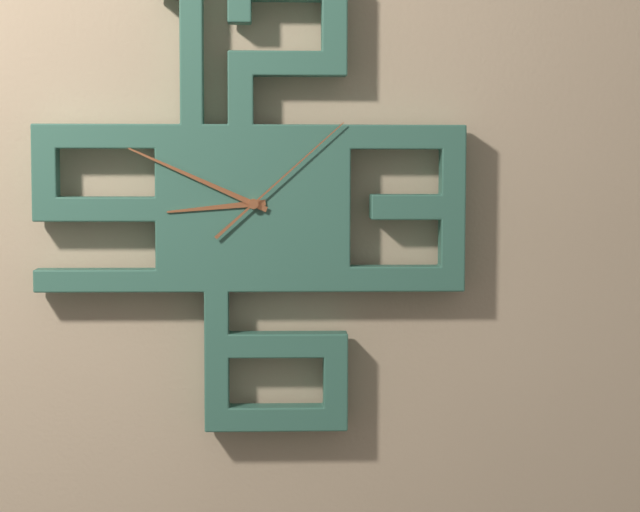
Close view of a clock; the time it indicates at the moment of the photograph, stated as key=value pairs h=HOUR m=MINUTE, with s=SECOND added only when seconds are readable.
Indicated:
h=8 m=49 s=8
